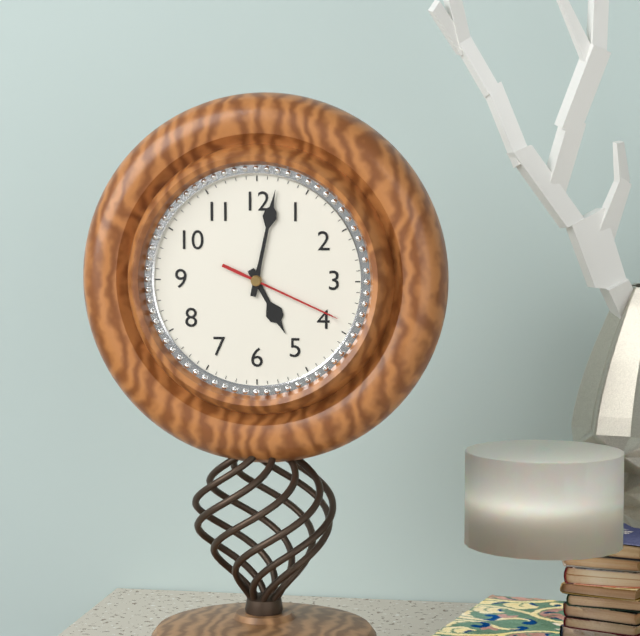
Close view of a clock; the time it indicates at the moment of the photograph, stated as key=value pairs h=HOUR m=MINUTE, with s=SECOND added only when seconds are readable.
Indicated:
h=5 m=2 s=19
